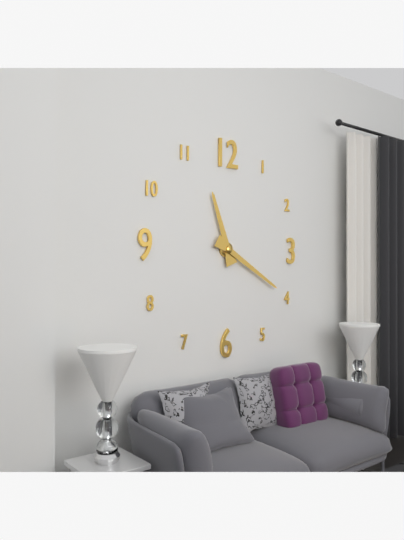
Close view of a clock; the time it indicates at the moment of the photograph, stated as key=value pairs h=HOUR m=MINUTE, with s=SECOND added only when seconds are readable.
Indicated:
h=11 m=20
